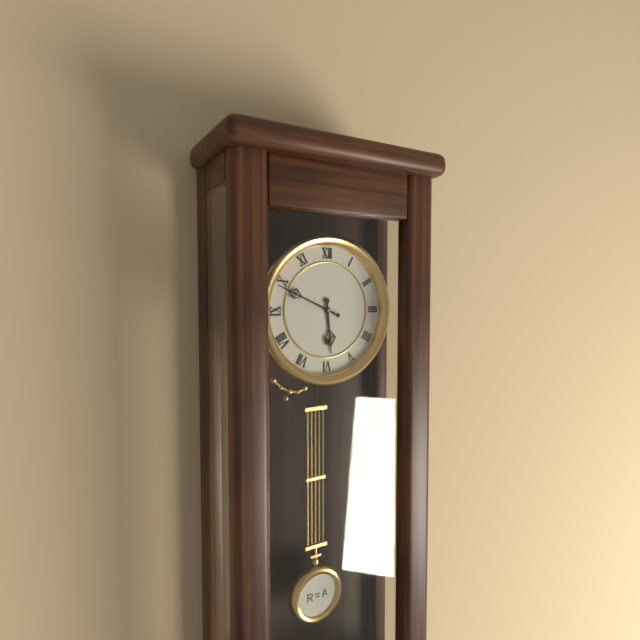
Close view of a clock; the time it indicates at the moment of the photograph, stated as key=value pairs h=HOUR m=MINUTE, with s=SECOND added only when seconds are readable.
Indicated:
h=5 m=49
